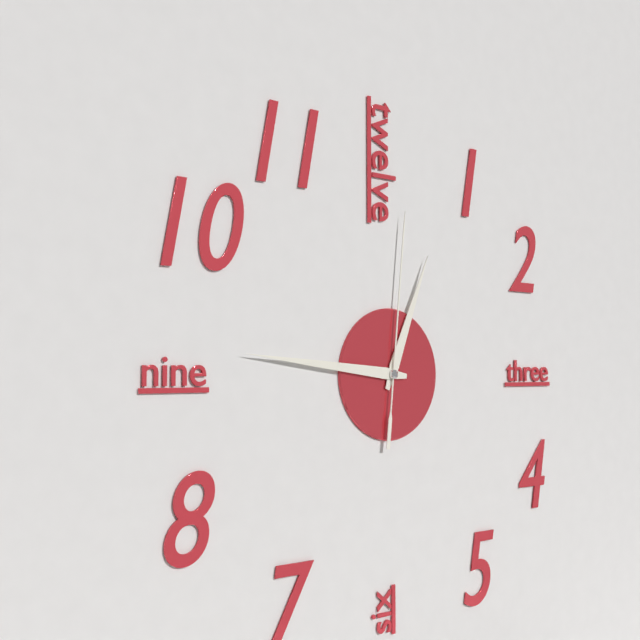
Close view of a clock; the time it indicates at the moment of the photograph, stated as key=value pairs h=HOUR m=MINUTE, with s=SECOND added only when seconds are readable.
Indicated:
h=12 m=46 s=1
